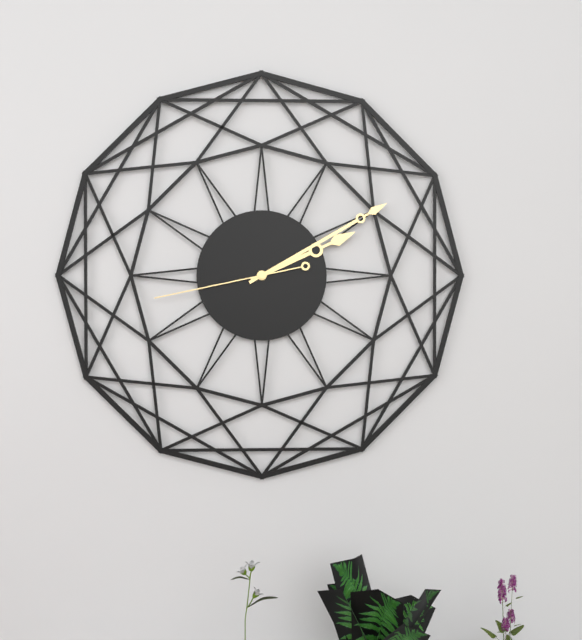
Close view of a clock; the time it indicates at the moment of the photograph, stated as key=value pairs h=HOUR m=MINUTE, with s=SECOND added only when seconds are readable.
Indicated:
h=2 m=10 s=43
